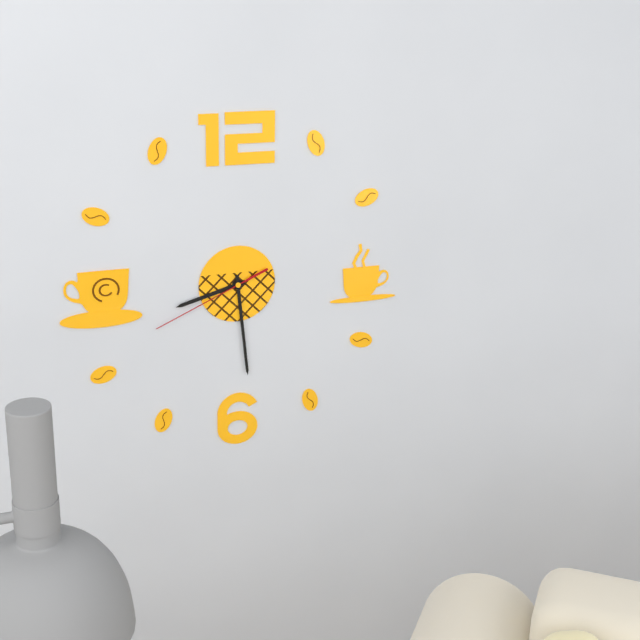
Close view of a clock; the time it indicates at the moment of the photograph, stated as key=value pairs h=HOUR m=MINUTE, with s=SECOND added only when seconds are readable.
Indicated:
h=8 m=29 s=41
